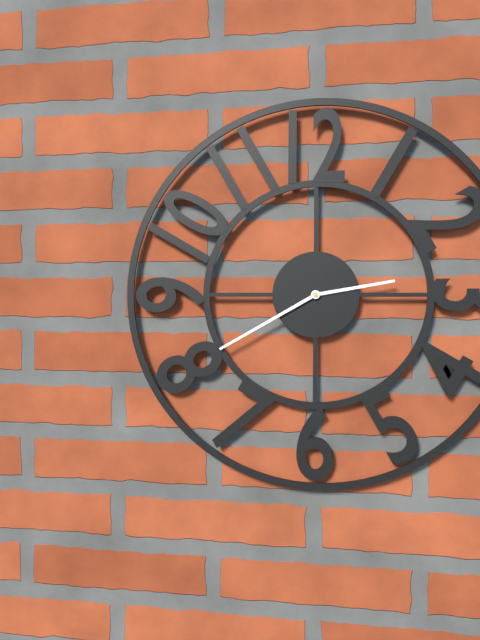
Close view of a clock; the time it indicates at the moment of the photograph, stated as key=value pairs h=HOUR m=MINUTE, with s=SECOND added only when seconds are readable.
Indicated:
h=2 m=40
